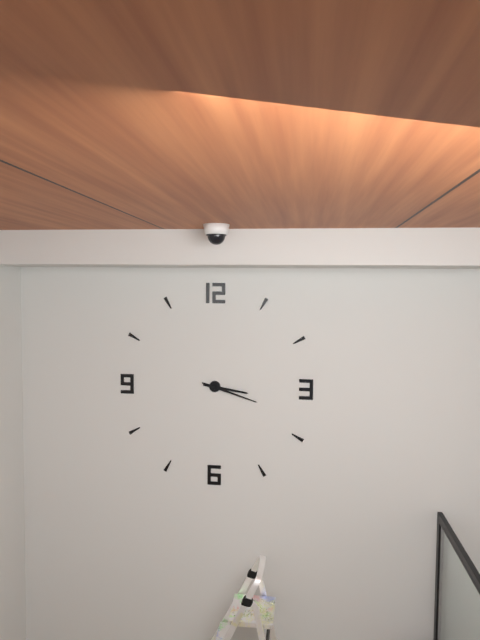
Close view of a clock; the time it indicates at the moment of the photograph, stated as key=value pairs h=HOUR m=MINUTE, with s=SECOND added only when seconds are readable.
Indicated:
h=3 m=18
